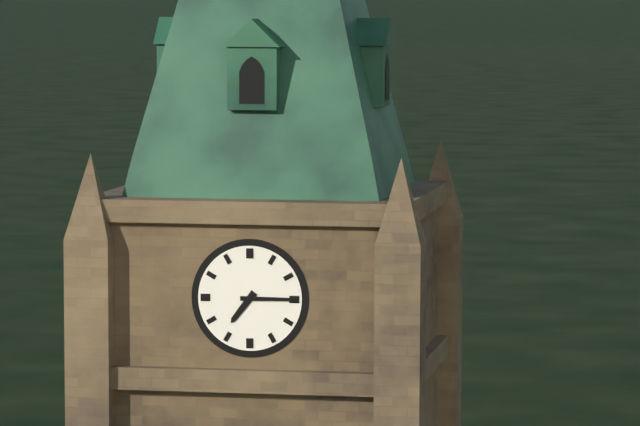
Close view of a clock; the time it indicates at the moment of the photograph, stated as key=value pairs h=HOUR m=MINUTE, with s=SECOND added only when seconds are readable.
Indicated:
h=7 m=15
